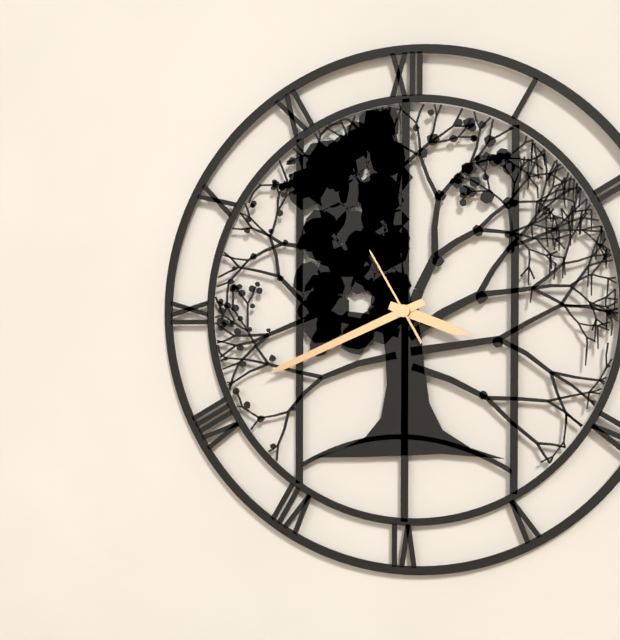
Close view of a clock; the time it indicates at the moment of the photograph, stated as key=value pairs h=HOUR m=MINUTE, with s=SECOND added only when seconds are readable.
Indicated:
h=3 m=41 s=55
